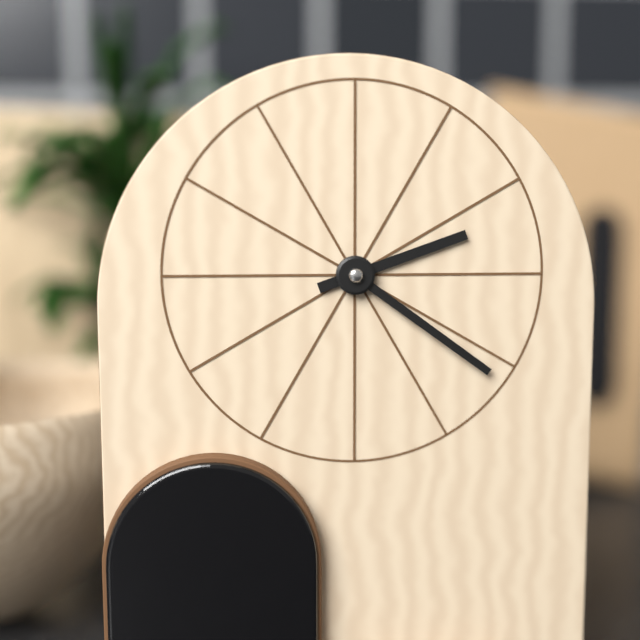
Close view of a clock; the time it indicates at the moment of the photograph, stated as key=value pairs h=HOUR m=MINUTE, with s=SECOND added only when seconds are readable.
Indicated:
h=2 m=21
